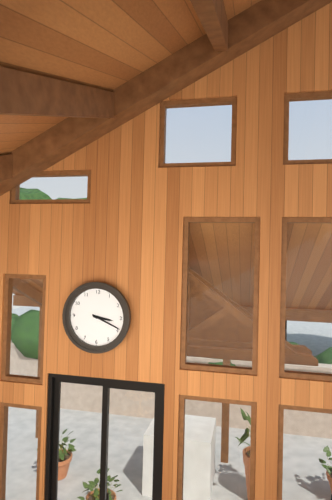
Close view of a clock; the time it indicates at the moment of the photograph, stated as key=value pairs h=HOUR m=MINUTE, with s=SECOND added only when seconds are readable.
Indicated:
h=3 m=19
